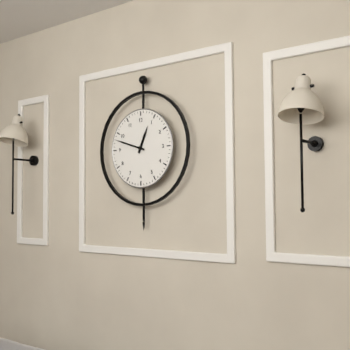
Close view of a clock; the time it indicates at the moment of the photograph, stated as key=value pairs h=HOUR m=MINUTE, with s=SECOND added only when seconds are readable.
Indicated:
h=12 m=48
